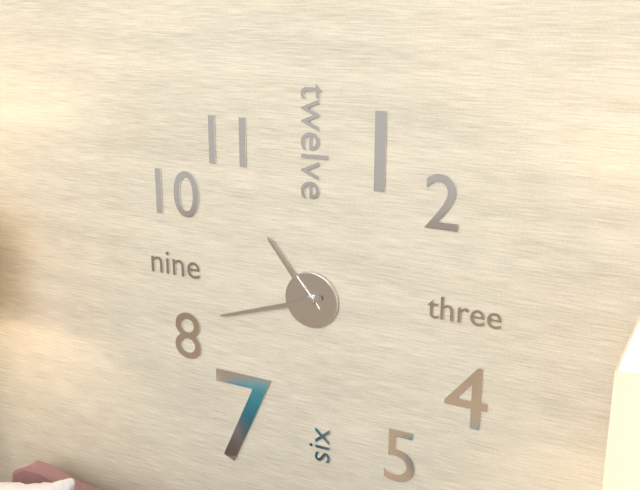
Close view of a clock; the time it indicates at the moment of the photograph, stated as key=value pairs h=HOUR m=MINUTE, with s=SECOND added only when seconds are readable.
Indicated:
h=10 m=42
